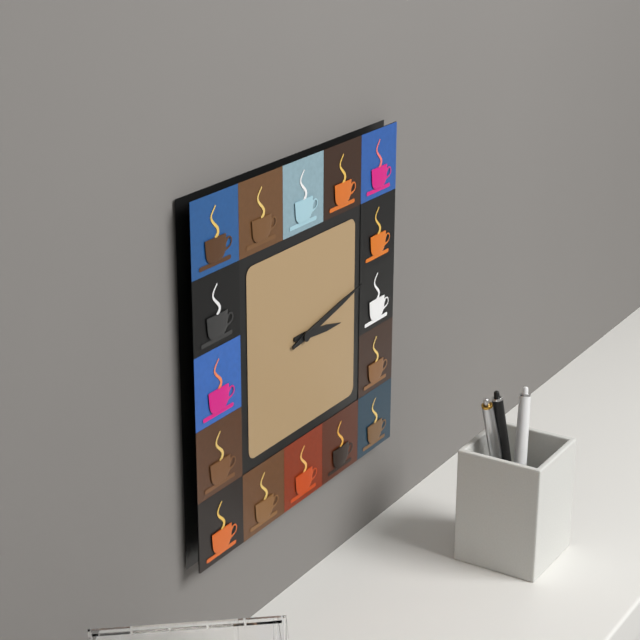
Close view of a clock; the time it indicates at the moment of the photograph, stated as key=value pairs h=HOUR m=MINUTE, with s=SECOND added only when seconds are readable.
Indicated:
h=3 m=13
